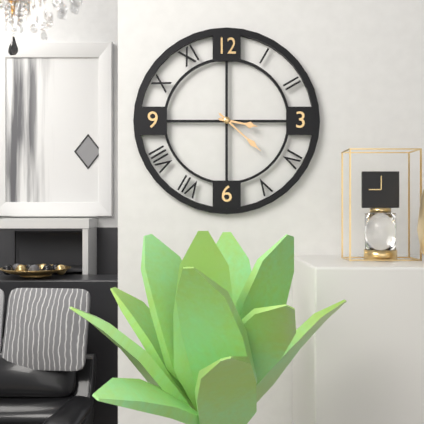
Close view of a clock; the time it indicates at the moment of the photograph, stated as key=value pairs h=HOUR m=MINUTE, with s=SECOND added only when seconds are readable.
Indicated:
h=3 m=22
